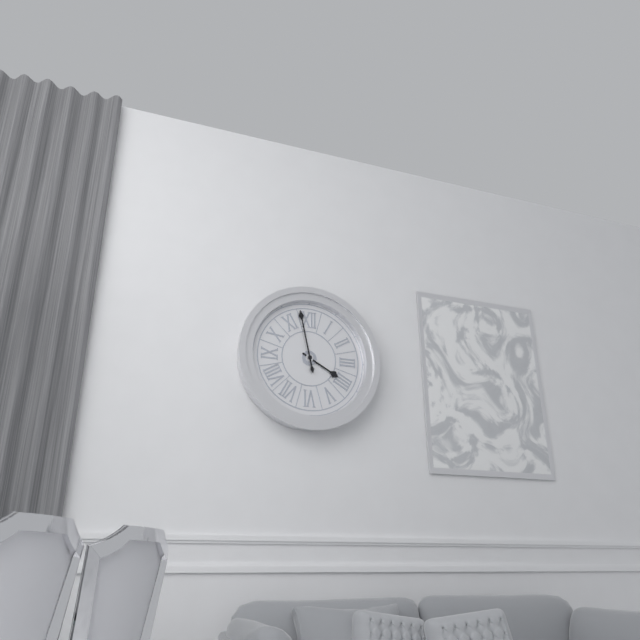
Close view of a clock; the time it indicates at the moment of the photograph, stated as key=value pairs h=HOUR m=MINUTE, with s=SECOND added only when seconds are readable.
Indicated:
h=3 m=58
